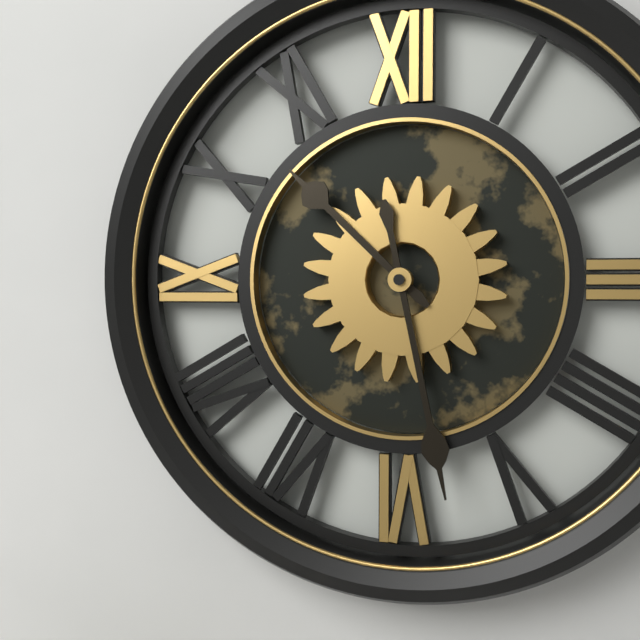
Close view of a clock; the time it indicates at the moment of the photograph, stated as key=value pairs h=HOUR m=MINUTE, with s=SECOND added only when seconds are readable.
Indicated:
h=10 m=28
